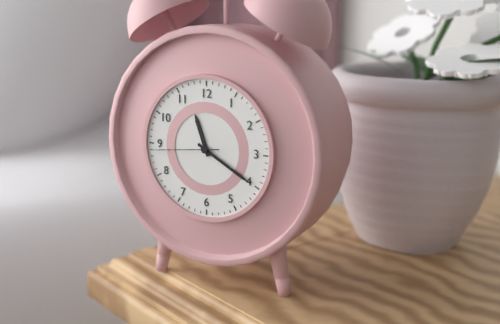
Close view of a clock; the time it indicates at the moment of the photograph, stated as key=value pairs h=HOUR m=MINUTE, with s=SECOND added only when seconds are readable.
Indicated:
h=11 m=20 s=44
